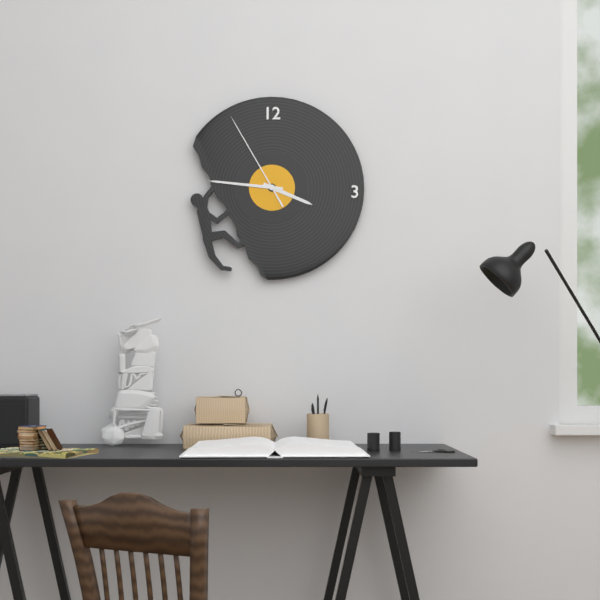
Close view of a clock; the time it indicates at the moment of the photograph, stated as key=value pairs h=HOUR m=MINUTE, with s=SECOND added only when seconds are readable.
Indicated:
h=3 m=46 s=55
